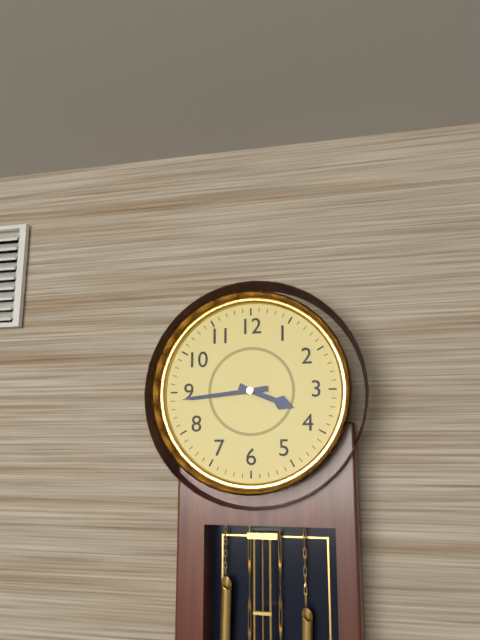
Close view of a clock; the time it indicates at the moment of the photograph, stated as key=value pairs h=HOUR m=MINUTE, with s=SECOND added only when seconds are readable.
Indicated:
h=3 m=44
